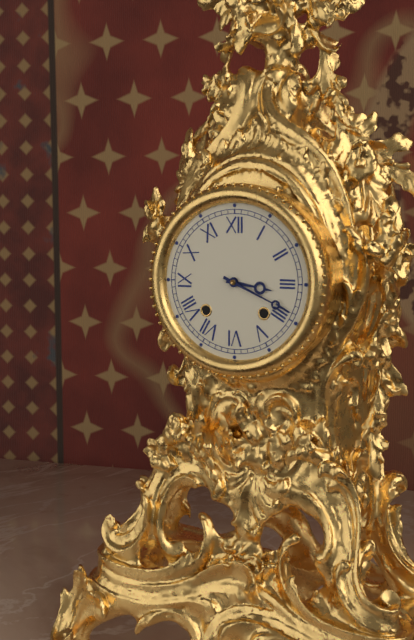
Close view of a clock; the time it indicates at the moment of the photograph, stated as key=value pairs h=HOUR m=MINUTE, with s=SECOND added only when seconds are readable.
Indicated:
h=3 m=19
